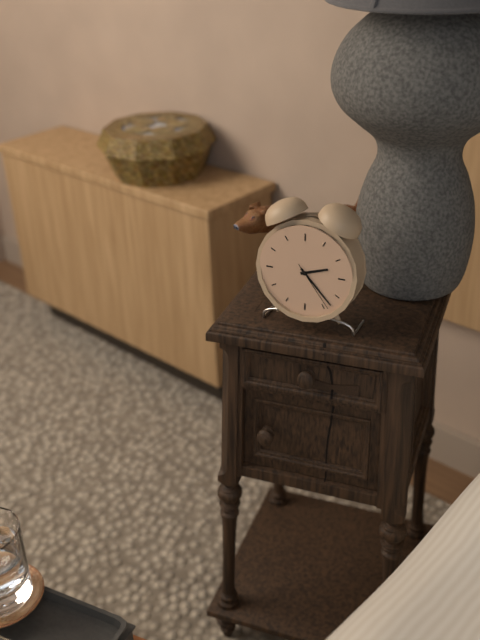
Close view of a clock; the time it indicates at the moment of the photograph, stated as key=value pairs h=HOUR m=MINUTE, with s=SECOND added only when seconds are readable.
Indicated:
h=2 m=23 s=24
